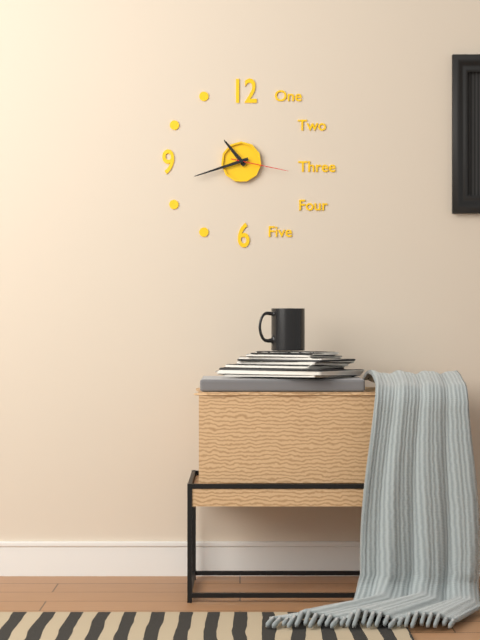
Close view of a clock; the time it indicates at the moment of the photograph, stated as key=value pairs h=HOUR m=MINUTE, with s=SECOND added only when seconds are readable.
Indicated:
h=10 m=42 s=17
